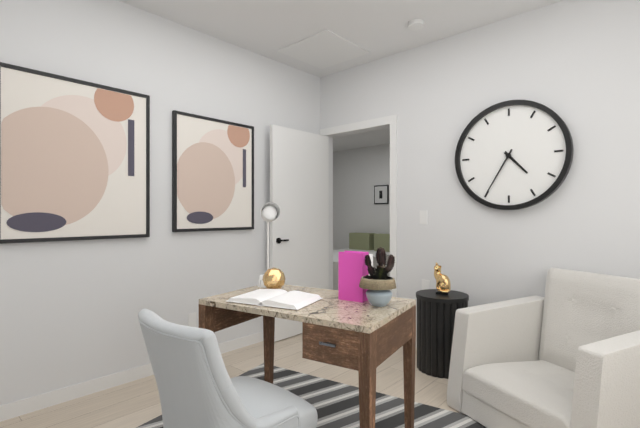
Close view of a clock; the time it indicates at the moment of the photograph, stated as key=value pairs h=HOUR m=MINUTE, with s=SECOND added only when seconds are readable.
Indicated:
h=4 m=35
